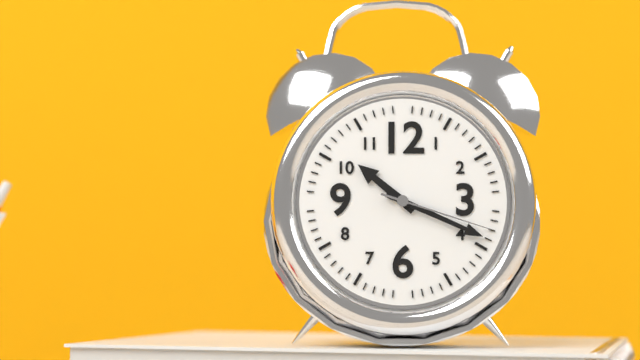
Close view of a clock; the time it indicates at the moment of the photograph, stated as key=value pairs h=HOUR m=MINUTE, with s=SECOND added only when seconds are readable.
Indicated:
h=10 m=19 s=18
